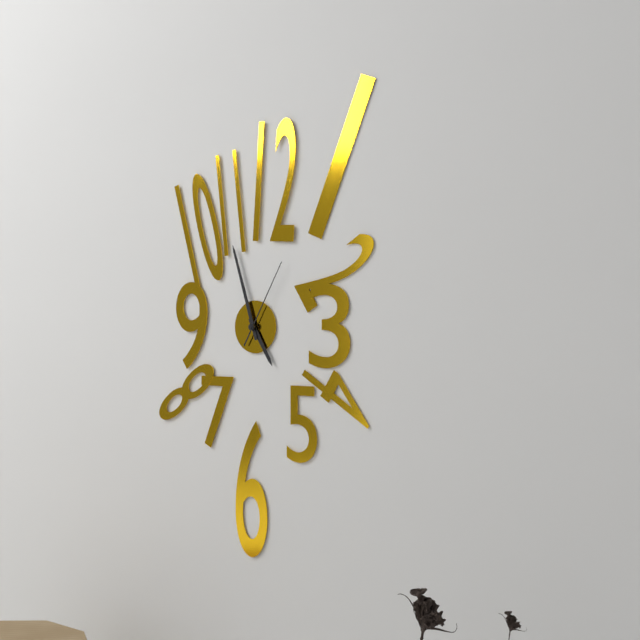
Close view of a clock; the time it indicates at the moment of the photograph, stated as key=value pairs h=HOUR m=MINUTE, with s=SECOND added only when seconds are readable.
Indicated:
h=4 m=57 s=5
